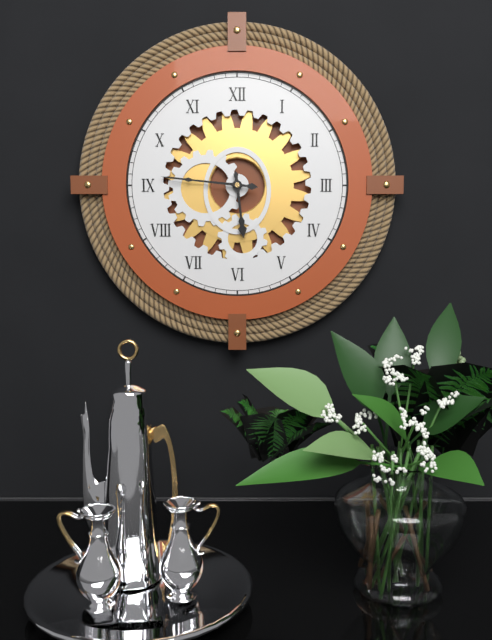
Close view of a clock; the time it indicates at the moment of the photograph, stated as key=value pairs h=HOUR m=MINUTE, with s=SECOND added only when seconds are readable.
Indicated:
h=5 m=46
